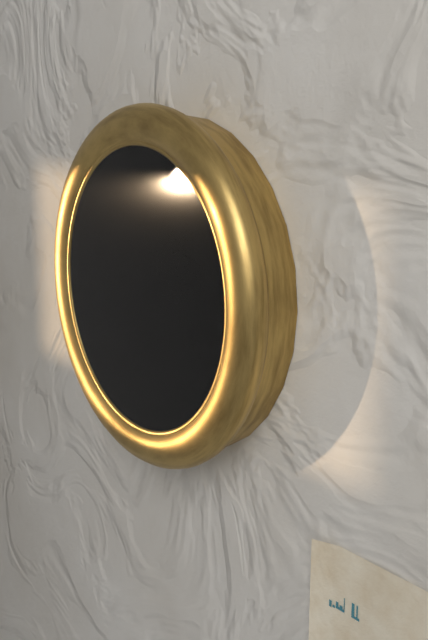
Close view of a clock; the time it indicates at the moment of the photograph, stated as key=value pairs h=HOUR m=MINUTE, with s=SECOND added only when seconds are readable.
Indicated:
h=3 m=33 s=4
